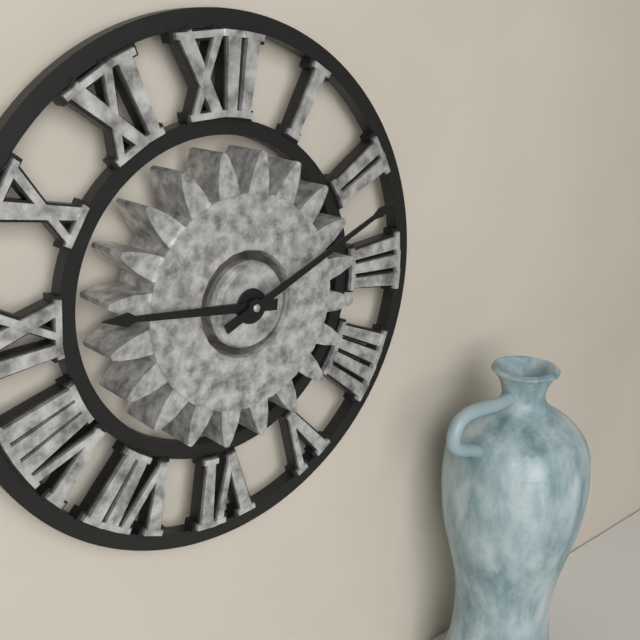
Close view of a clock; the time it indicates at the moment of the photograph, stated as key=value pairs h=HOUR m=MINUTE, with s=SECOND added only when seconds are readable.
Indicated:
h=9 m=11
